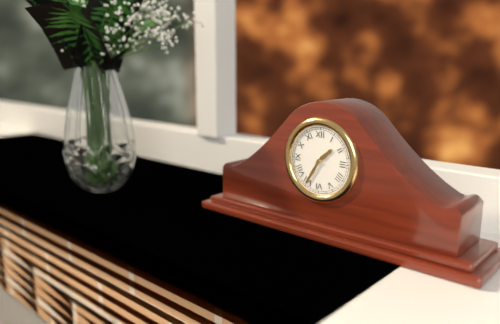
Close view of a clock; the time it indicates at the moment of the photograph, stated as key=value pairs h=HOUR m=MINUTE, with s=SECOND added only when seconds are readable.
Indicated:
h=1 m=35
